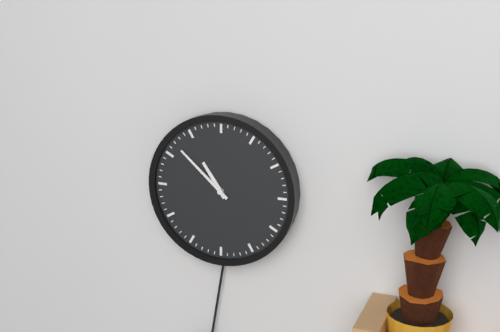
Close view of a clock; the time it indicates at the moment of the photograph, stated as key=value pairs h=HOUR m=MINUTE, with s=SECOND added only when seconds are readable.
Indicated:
h=10 m=52
